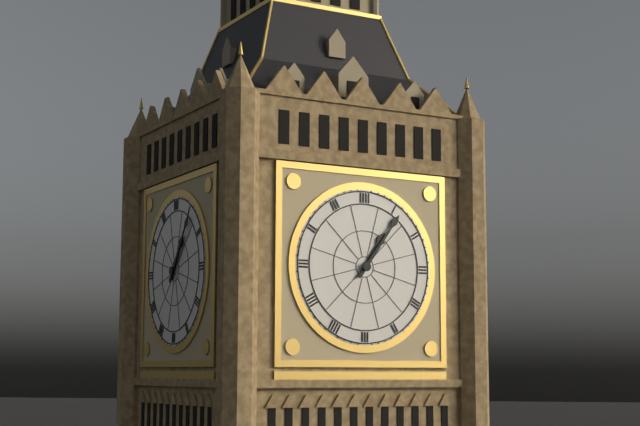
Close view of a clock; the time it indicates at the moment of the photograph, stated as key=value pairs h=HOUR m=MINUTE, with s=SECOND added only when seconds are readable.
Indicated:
h=1 m=6
